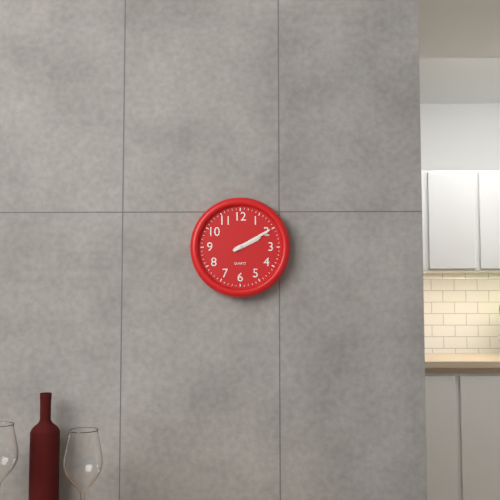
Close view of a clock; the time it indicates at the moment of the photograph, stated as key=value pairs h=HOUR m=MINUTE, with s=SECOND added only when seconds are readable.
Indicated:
h=2 m=10
